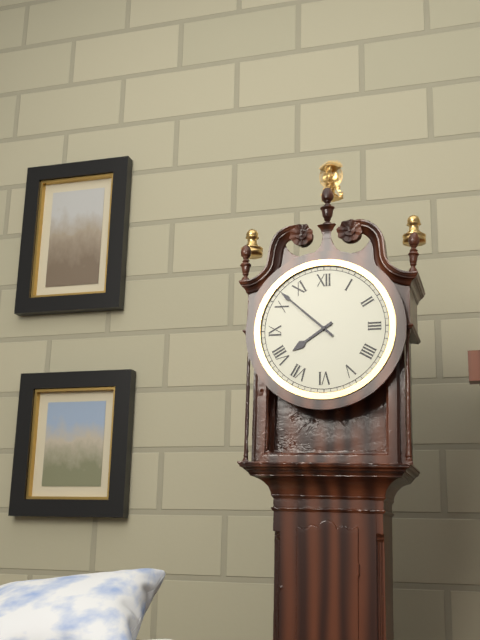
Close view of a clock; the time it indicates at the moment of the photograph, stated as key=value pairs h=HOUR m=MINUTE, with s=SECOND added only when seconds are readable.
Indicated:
h=7 m=52
